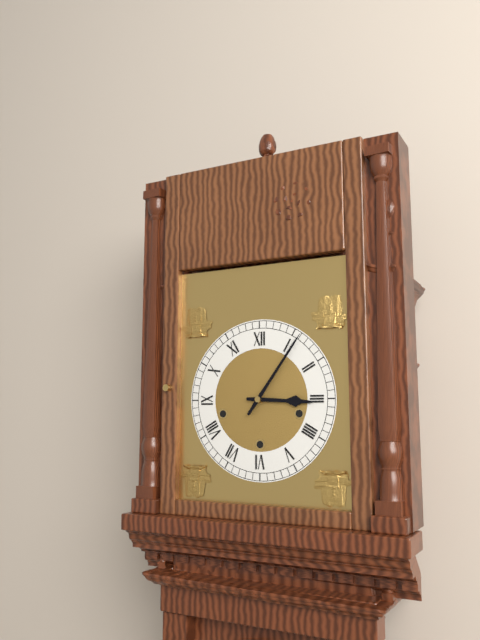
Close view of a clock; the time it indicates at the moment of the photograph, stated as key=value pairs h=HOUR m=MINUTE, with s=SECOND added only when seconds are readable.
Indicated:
h=3 m=6
